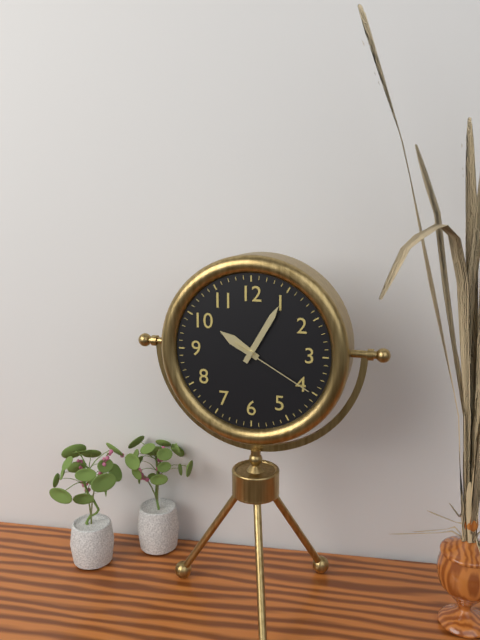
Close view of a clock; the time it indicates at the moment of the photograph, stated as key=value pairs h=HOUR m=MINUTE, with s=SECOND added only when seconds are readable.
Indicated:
h=10 m=5 s=20
